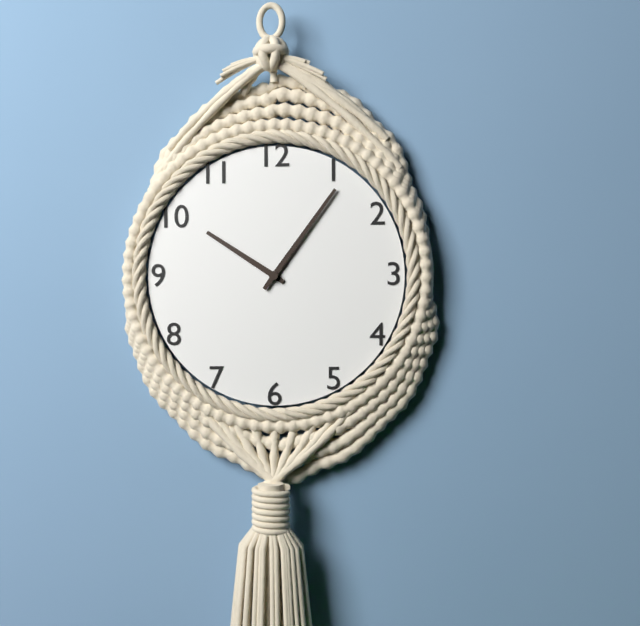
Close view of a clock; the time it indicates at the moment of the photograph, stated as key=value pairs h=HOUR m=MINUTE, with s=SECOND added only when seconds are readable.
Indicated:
h=10 m=6
